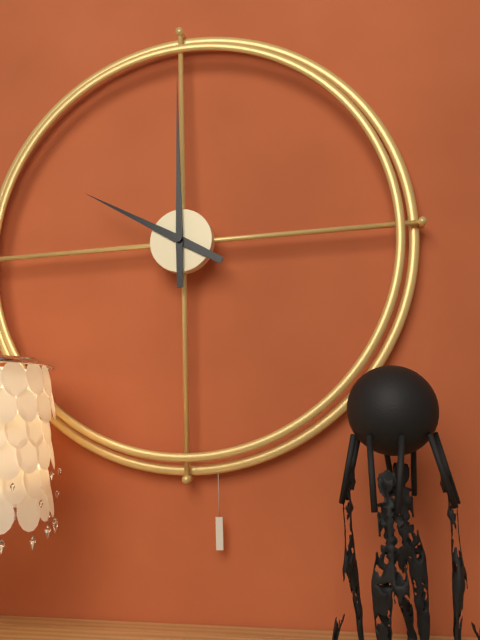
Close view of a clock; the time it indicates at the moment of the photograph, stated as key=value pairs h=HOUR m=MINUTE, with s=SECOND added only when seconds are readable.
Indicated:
h=10 m=0
